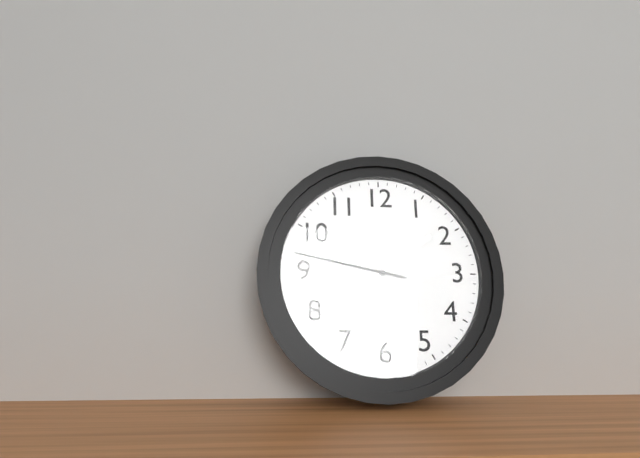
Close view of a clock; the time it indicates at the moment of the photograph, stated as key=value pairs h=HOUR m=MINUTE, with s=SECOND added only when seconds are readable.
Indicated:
h=1 m=47
